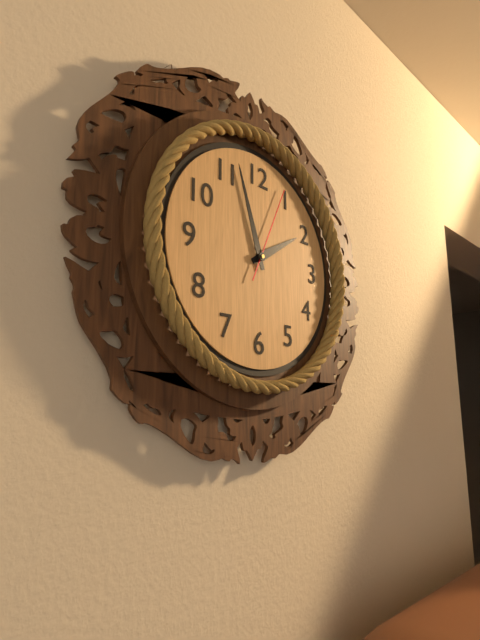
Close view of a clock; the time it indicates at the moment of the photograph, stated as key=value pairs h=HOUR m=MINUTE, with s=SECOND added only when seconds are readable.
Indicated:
h=1 m=57 s=4
